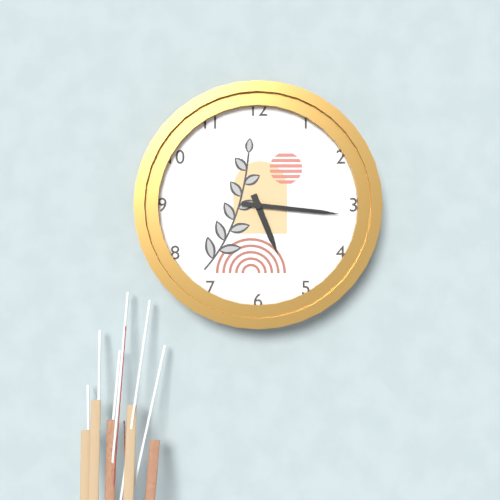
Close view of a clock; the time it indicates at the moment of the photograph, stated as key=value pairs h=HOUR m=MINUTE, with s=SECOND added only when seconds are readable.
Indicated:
h=5 m=16
